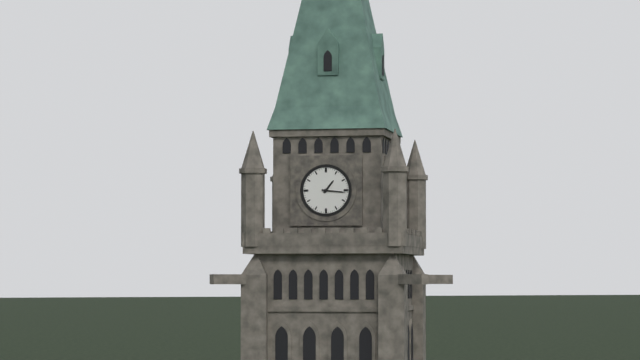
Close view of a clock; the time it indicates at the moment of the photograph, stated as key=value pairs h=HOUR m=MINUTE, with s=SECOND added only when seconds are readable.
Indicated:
h=1 m=16
